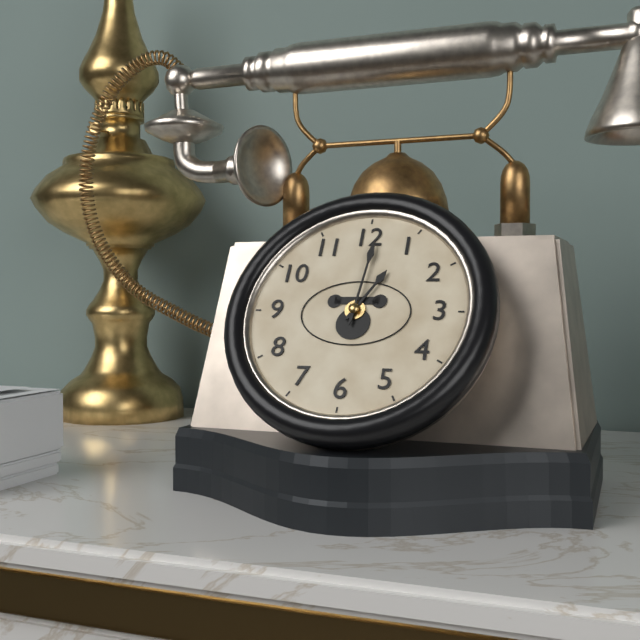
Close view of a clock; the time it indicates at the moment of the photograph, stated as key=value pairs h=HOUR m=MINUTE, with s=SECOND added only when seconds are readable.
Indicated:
h=1 m=1
